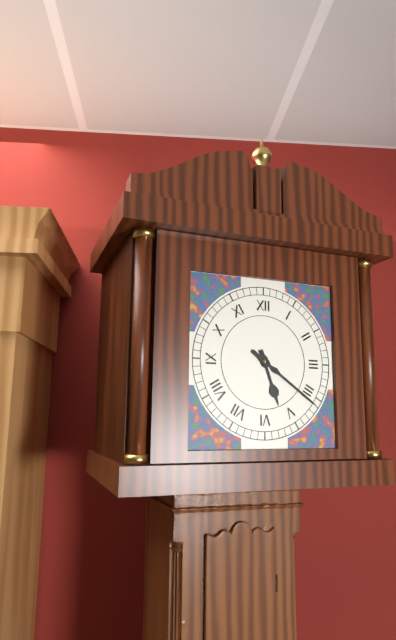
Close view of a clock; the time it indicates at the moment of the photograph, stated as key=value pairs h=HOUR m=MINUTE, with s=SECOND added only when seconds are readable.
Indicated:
h=5 m=21
